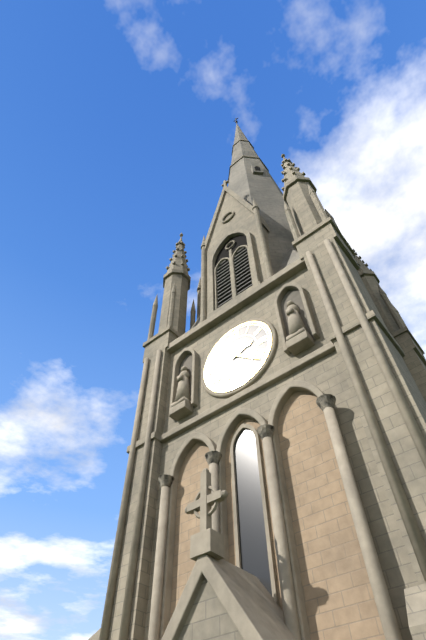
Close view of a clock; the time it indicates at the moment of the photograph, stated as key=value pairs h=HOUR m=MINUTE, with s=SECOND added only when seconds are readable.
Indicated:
h=2 m=22
